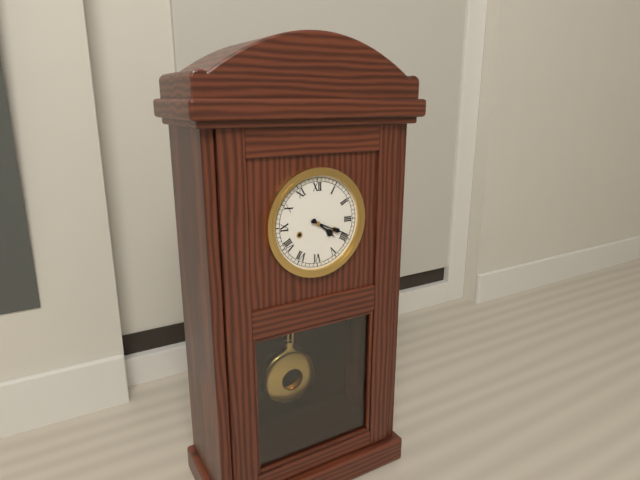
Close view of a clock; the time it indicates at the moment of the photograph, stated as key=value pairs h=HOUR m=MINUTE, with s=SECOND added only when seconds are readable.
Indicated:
h=4 m=19
